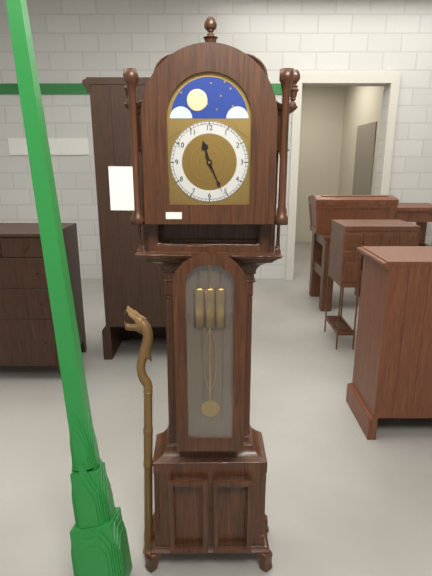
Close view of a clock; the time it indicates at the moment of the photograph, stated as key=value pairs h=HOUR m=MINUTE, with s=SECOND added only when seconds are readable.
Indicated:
h=11 m=26
